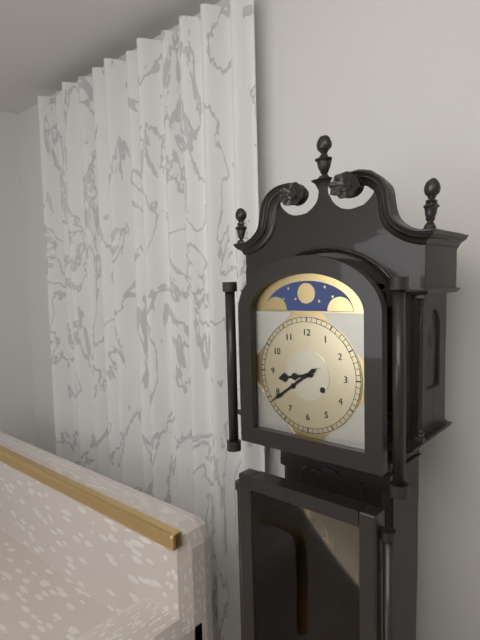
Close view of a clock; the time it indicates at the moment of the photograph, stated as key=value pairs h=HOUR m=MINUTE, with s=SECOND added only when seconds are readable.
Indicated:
h=8 m=39
